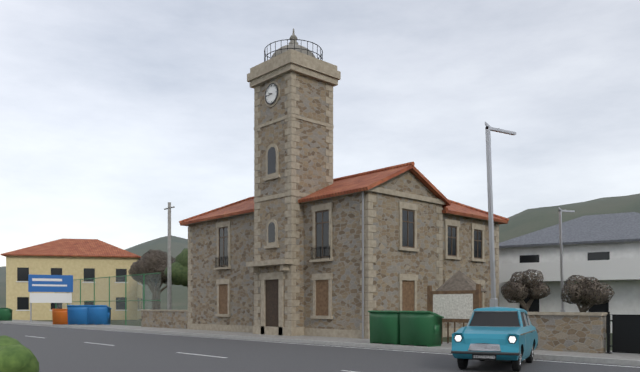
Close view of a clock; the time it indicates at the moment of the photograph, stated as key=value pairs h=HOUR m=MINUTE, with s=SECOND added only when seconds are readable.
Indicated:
h=9 m=44
